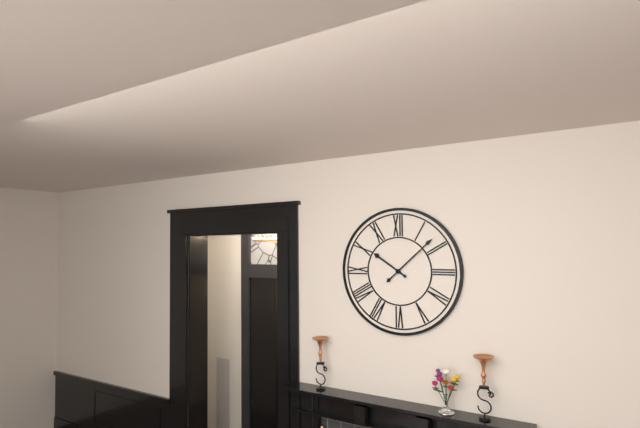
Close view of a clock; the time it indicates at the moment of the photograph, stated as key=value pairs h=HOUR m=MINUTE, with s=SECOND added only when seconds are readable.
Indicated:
h=10 m=8
